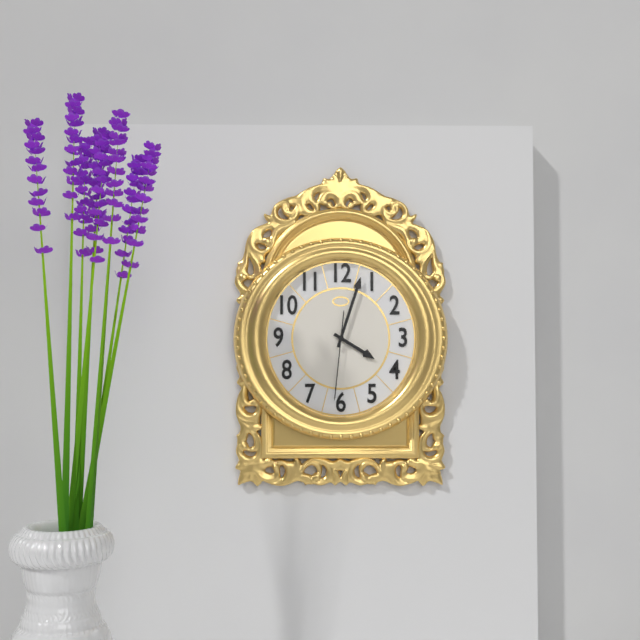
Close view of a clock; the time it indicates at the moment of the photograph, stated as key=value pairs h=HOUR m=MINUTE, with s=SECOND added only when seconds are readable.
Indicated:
h=4 m=3 s=31
